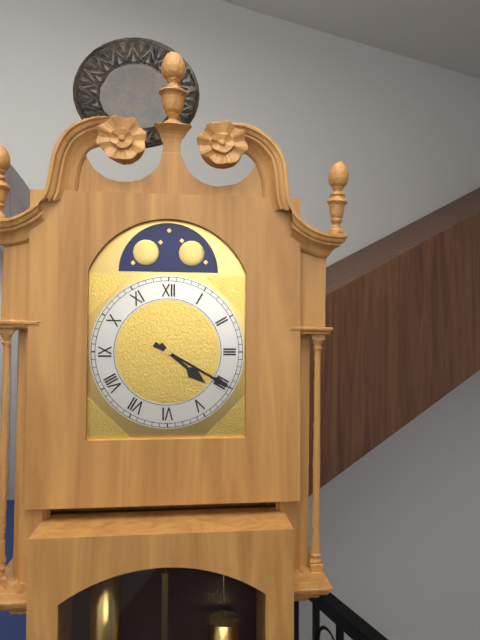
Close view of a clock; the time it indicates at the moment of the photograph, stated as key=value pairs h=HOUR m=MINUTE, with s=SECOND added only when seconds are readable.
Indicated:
h=4 m=20
